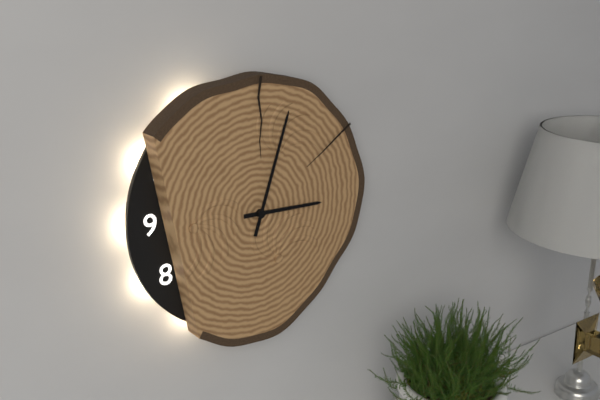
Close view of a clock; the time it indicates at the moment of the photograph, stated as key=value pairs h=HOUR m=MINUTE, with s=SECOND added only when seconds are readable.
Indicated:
h=3 m=3
